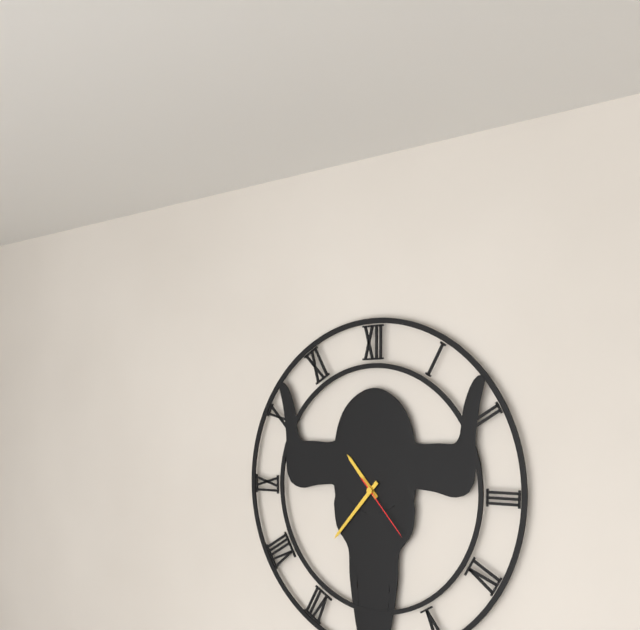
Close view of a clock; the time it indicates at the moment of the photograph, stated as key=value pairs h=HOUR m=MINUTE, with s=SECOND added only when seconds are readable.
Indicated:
h=10 m=37 s=23
